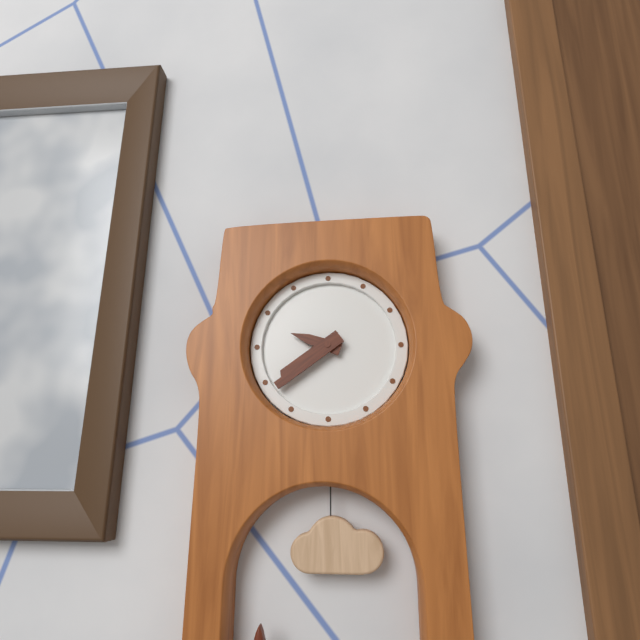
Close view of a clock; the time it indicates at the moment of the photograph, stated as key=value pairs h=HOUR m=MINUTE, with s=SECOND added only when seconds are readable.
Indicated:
h=9 m=39
